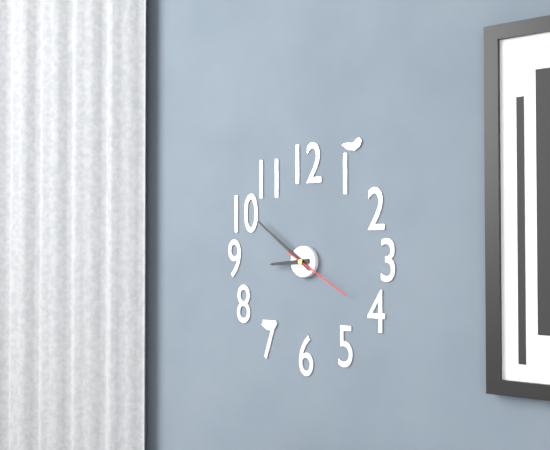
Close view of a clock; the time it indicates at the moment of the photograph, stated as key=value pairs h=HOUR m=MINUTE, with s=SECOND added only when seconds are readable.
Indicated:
h=8 m=51 s=20
